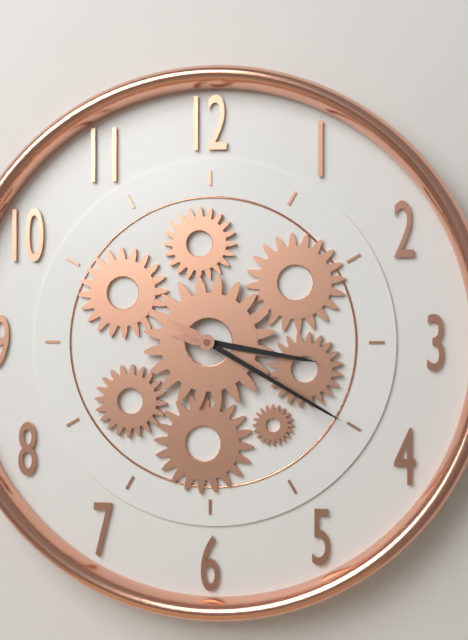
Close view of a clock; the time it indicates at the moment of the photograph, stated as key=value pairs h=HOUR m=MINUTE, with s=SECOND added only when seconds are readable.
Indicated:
h=3 m=20
